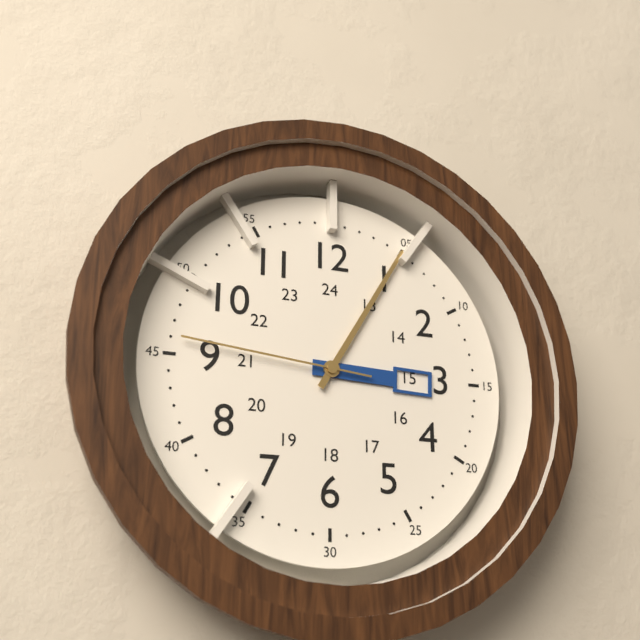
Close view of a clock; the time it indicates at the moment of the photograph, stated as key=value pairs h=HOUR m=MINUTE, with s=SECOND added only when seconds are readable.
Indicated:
h=3 m=5 s=46
